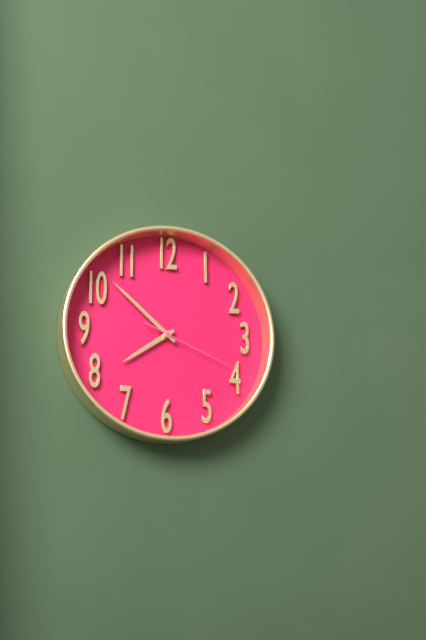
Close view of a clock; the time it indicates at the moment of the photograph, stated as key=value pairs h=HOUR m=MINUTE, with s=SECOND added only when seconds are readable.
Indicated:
h=7 m=52 s=19
